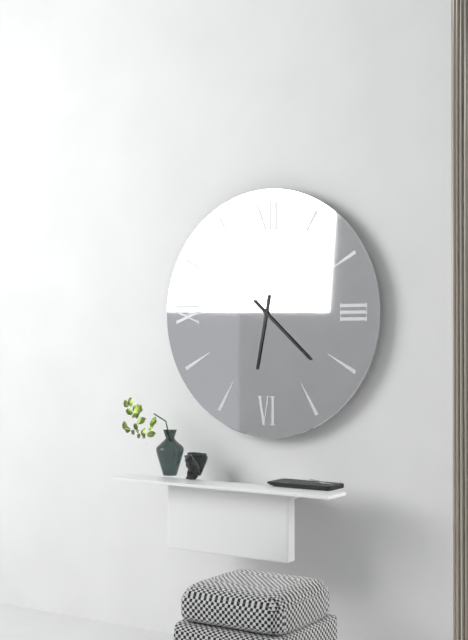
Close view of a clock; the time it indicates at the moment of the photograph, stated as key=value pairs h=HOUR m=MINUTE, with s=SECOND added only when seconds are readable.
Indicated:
h=6 m=22
